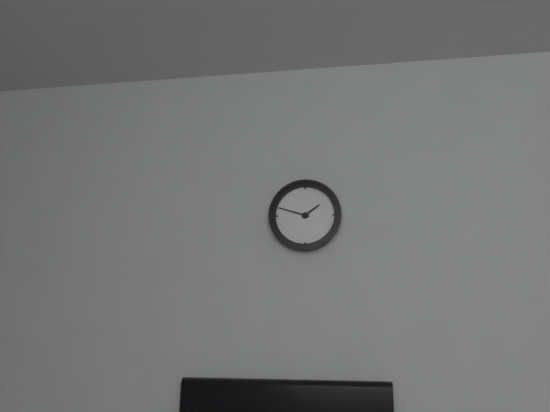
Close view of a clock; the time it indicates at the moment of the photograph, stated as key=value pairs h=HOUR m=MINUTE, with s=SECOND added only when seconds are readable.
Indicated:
h=1 m=48
